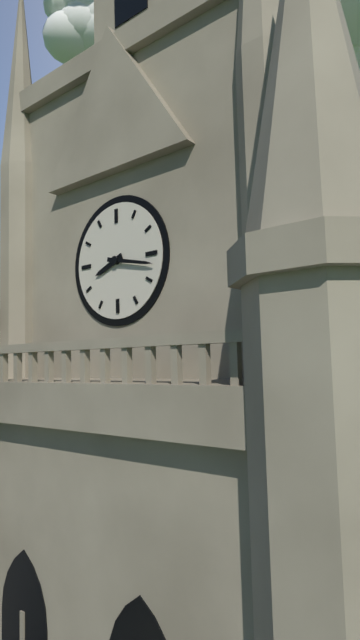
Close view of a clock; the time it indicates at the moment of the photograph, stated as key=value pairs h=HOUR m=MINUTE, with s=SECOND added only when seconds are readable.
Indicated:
h=8 m=17
